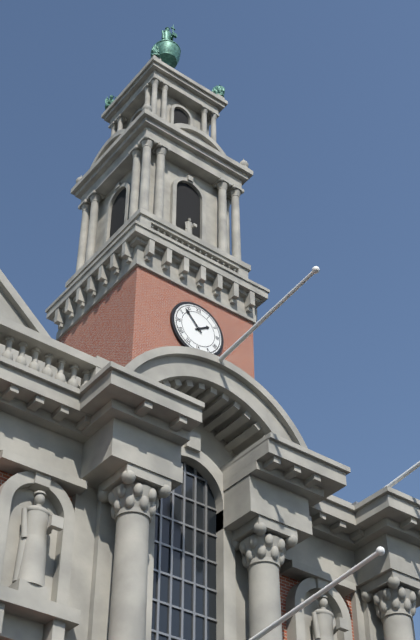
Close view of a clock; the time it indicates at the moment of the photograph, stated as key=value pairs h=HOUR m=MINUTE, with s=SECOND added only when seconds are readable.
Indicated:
h=1 m=53
